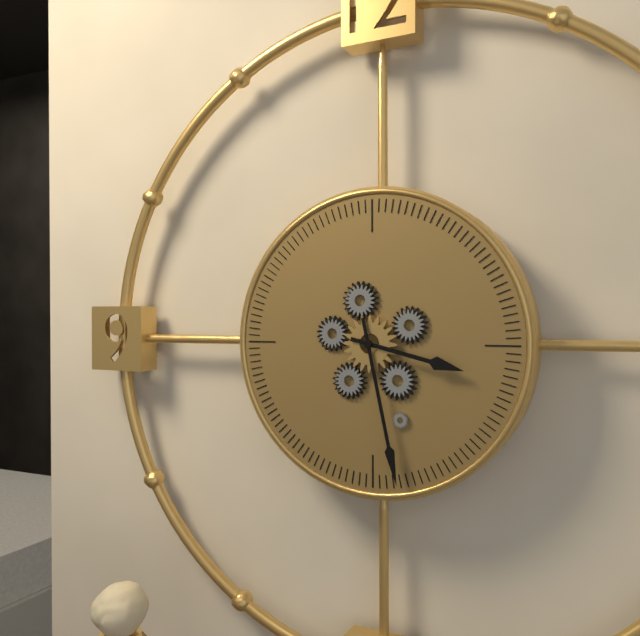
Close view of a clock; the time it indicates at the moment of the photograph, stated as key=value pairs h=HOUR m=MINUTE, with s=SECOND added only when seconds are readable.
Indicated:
h=3 m=28
